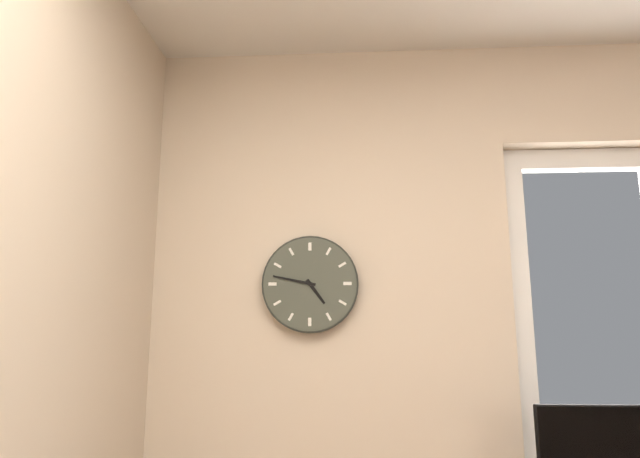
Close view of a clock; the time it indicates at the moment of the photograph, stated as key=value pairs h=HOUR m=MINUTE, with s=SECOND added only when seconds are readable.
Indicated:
h=4 m=47
